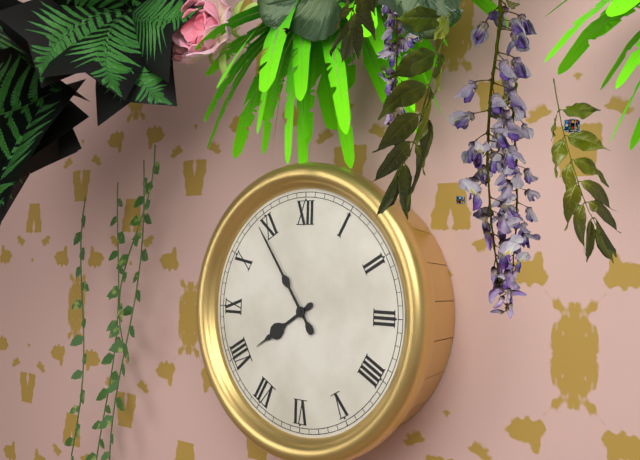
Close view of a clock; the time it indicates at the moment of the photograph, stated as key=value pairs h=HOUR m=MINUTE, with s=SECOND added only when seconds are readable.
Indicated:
h=7 m=54
